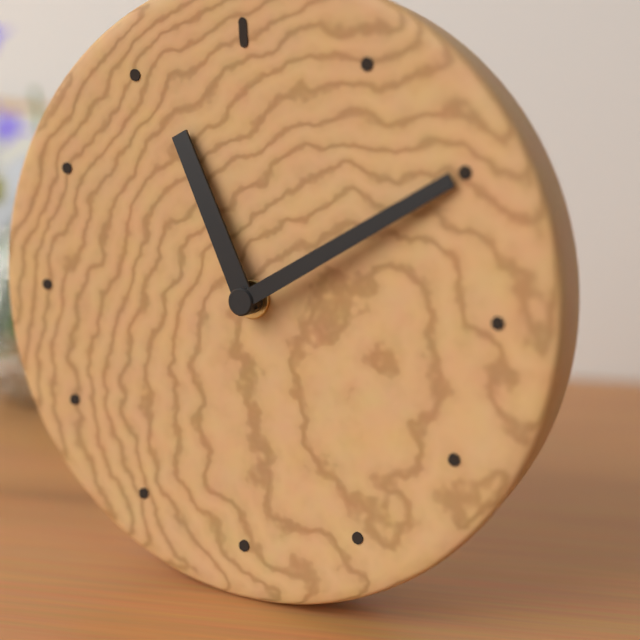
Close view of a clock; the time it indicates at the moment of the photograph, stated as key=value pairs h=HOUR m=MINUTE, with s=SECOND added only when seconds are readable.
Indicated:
h=11 m=10
